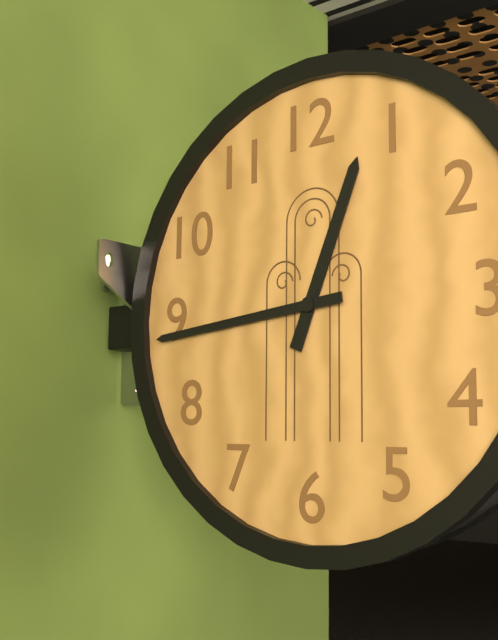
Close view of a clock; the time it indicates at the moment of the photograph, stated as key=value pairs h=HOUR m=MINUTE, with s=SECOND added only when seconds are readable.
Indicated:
h=12 m=44
